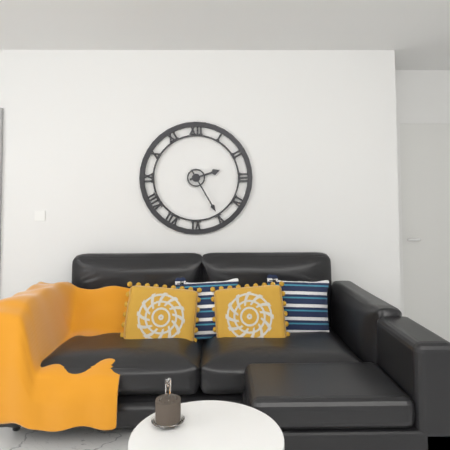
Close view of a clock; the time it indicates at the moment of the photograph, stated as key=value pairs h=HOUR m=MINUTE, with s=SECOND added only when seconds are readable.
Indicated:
h=2 m=25
